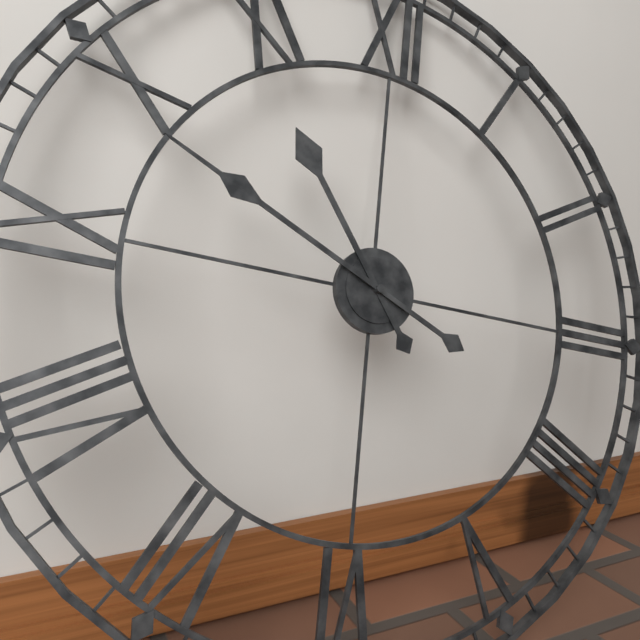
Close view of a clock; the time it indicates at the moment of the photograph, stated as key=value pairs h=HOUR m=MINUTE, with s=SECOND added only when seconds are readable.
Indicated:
h=10 m=49
